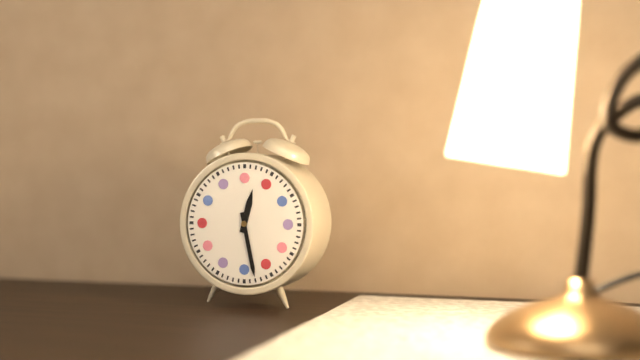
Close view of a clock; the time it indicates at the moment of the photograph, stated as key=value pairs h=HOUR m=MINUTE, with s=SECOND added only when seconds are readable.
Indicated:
h=12 m=28
